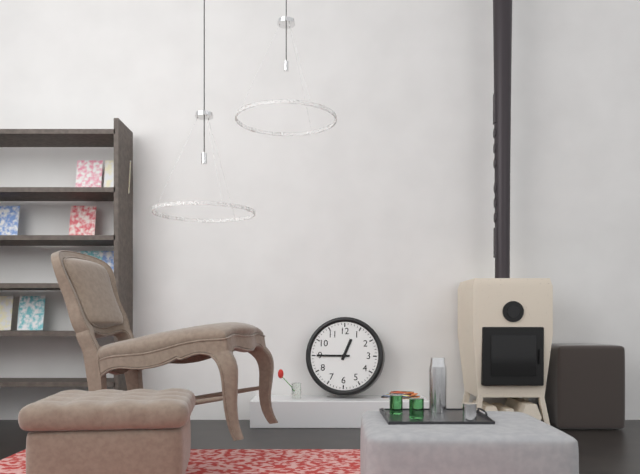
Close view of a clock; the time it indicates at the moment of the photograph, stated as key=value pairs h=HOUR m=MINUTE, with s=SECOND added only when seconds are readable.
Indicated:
h=12 m=45
